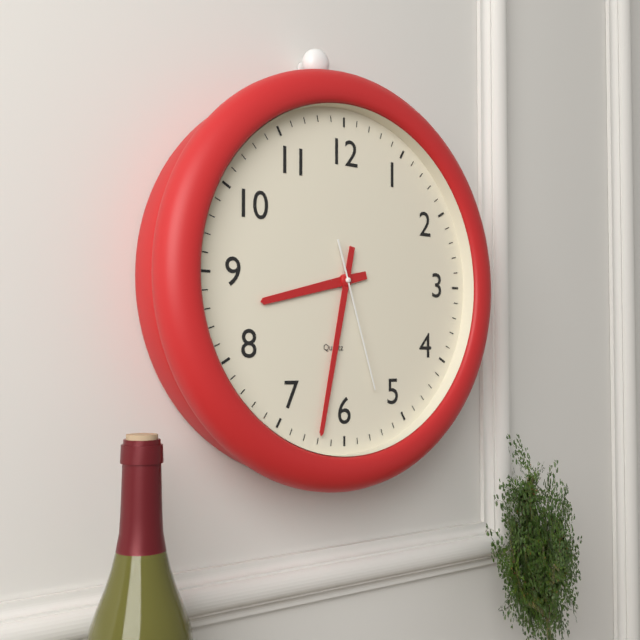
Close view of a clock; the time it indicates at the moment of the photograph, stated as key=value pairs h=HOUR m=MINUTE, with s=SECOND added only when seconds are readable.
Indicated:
h=8 m=32 s=27
